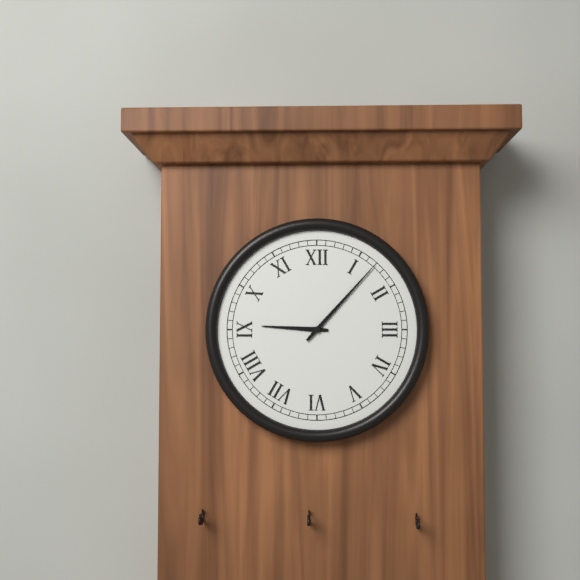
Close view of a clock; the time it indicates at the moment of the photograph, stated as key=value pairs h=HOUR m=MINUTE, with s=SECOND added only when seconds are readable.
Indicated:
h=9 m=7
